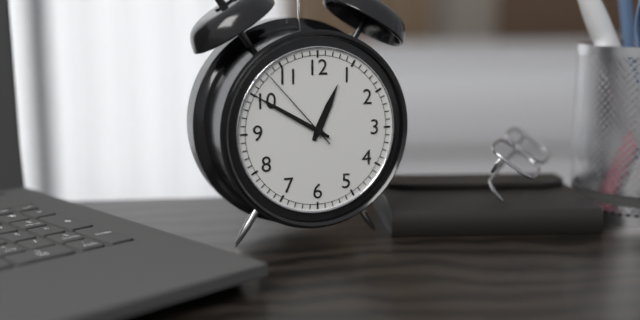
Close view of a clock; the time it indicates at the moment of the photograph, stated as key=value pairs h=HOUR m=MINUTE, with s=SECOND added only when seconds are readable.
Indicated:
h=12 m=50 s=53
